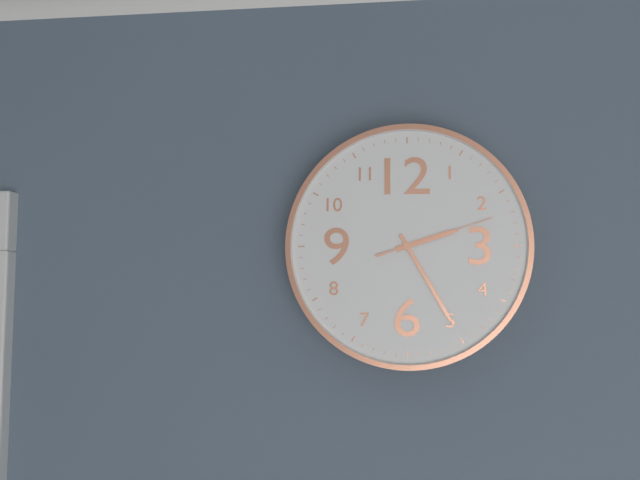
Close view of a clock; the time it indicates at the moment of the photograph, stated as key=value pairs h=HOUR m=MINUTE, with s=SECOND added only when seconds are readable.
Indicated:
h=2 m=25 s=12
